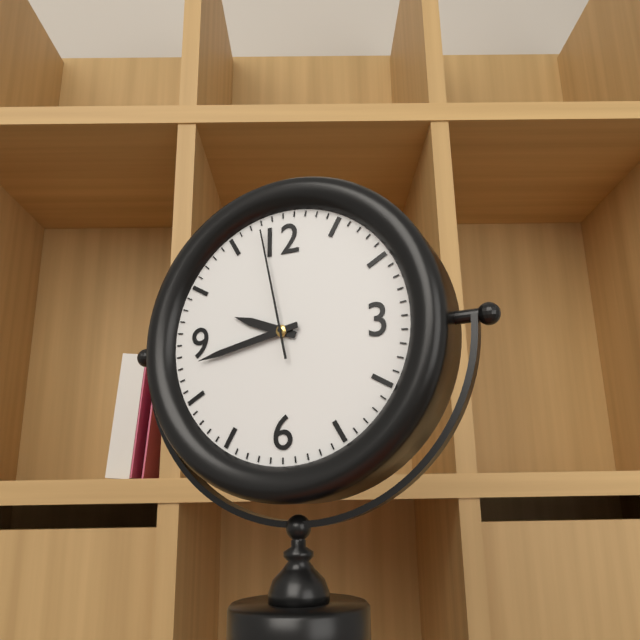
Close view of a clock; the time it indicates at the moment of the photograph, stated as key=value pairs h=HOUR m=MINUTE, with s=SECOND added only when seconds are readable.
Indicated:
h=9 m=43 s=58
